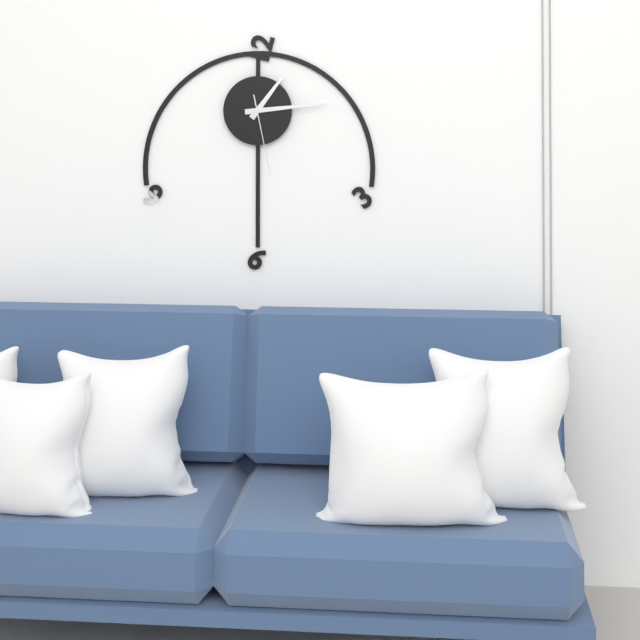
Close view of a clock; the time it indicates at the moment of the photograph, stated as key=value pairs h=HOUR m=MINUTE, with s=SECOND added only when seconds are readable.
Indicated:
h=1 m=14 s=28
